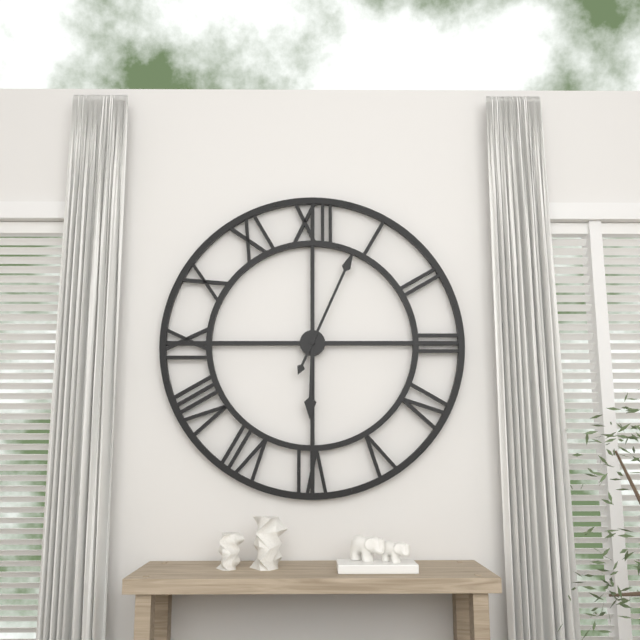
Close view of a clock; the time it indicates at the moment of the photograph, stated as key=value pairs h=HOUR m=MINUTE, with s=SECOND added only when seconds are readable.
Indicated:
h=6 m=4
